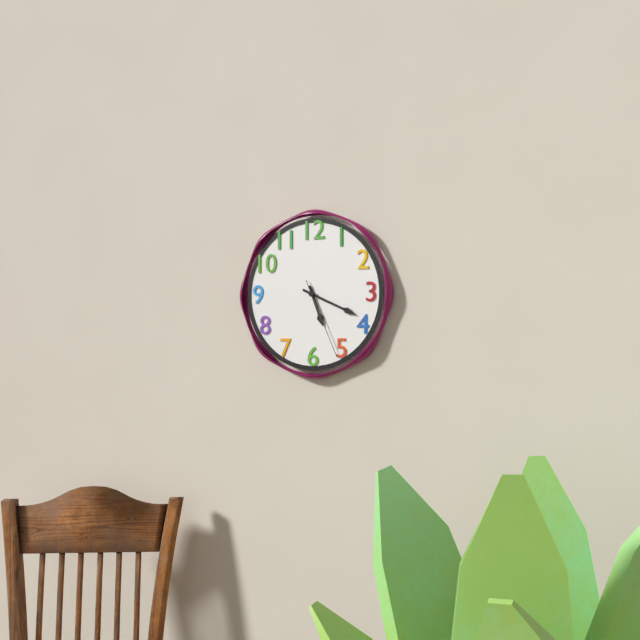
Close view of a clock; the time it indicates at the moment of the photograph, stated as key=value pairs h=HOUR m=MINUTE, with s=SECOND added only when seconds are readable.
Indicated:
h=5 m=19 s=26
